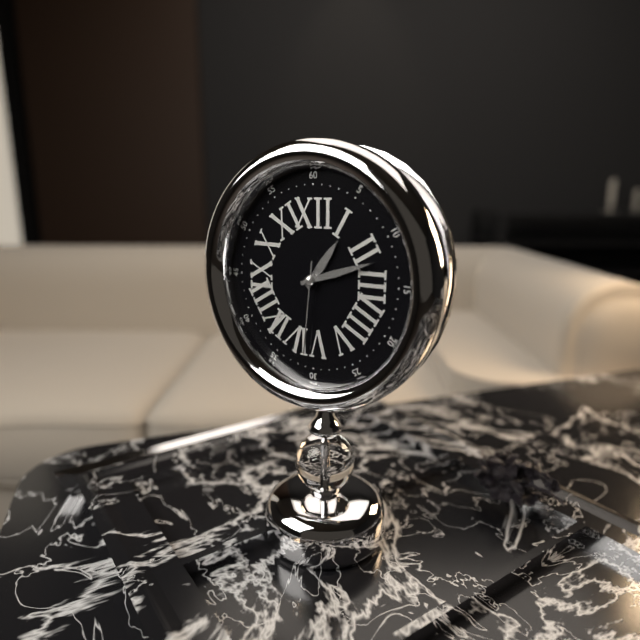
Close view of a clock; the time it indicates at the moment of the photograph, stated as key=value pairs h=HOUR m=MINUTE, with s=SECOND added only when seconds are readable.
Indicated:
h=1 m=12 s=31
